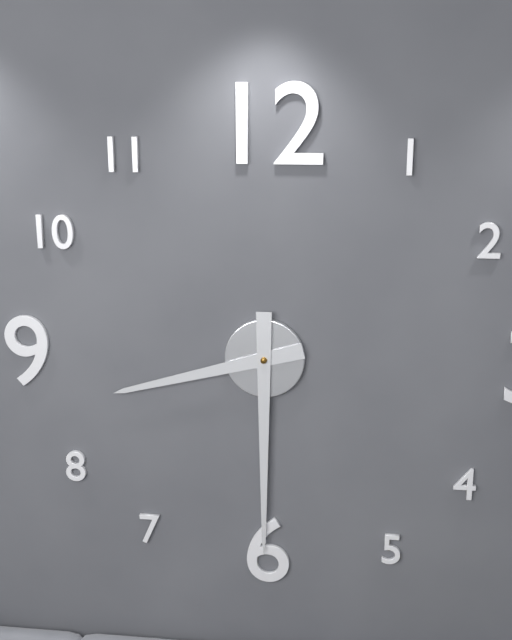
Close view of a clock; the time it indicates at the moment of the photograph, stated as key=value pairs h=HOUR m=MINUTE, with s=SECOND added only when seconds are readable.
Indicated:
h=8 m=30
